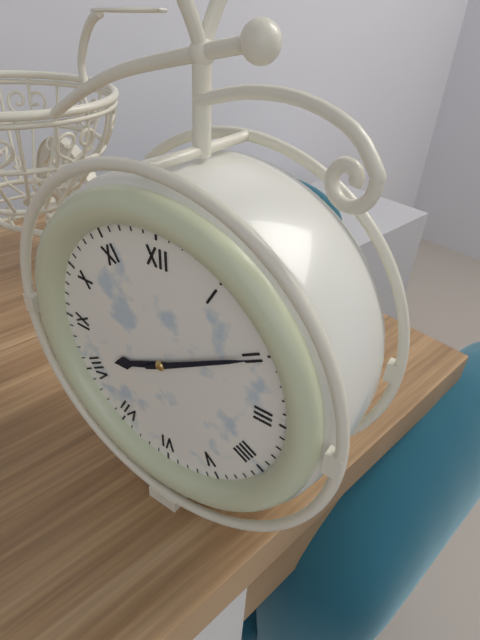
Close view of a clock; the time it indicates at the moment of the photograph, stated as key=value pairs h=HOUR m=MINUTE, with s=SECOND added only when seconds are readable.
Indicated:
h=8 m=10
